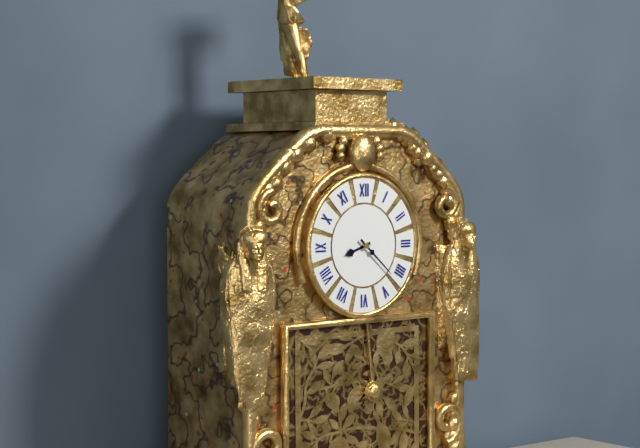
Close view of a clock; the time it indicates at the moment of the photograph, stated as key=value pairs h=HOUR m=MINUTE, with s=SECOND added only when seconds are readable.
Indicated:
h=8 m=22
